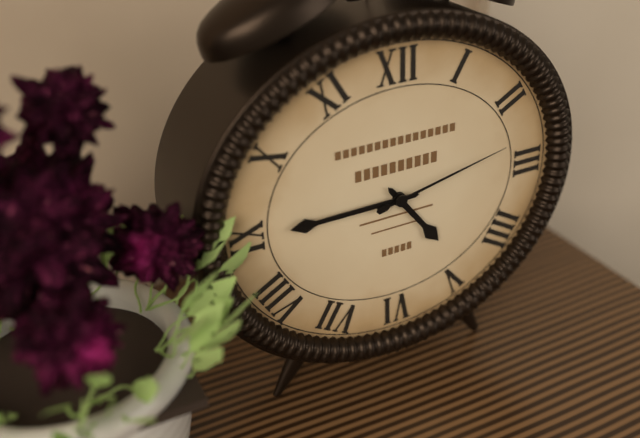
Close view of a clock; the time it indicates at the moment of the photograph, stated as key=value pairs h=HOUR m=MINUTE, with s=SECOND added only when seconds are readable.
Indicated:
h=4 m=45 s=13
